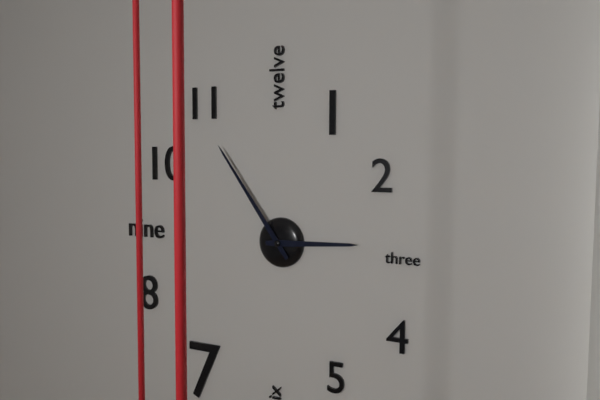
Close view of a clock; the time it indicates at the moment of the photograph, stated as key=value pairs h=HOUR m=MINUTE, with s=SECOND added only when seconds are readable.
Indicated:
h=2 m=54
